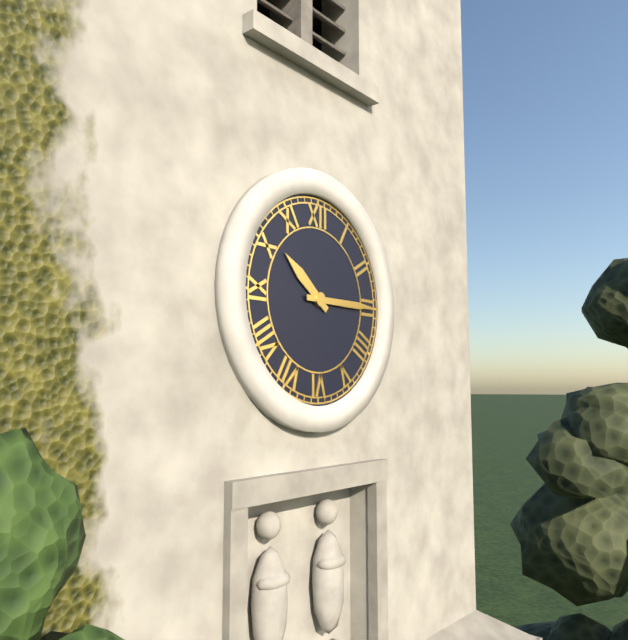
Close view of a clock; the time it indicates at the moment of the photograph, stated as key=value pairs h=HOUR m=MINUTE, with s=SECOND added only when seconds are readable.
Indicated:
h=10 m=15
